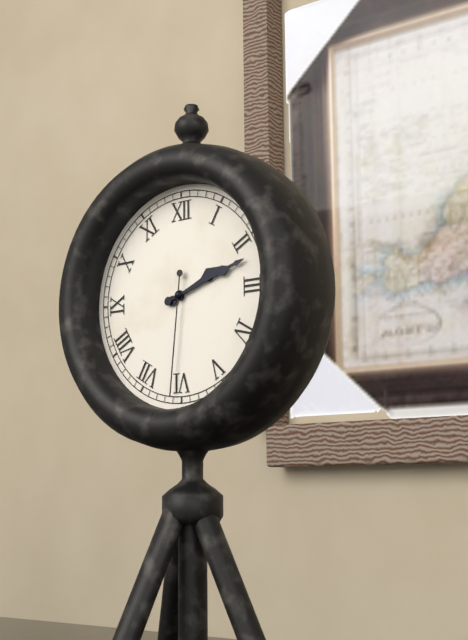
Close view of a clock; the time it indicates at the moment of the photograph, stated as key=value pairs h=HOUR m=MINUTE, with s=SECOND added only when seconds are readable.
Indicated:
h=2 m=12 s=31
